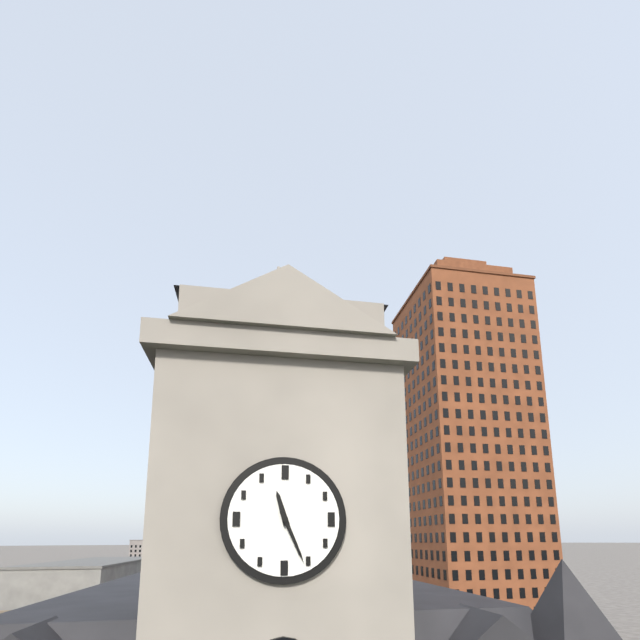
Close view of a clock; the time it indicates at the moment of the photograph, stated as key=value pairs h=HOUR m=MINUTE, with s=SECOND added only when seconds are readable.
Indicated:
h=11 m=26
